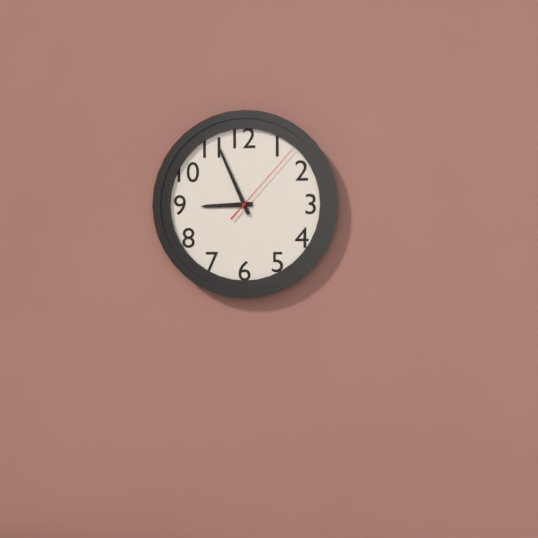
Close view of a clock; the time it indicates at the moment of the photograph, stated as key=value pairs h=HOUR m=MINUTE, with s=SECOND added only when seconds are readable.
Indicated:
h=8 m=56 s=7
